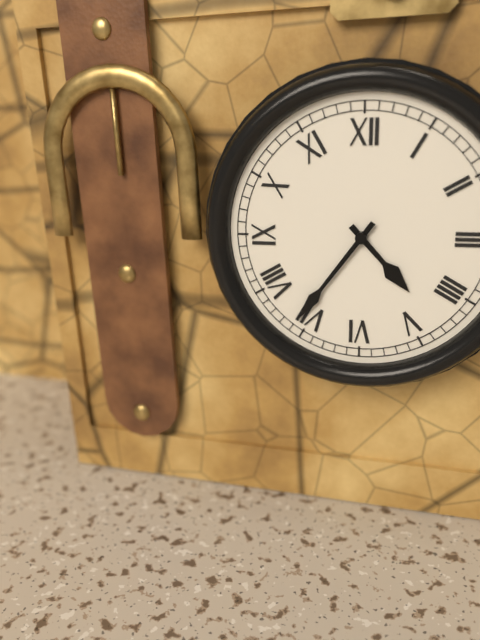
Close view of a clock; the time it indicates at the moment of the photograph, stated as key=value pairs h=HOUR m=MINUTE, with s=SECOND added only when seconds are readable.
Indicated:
h=4 m=36
